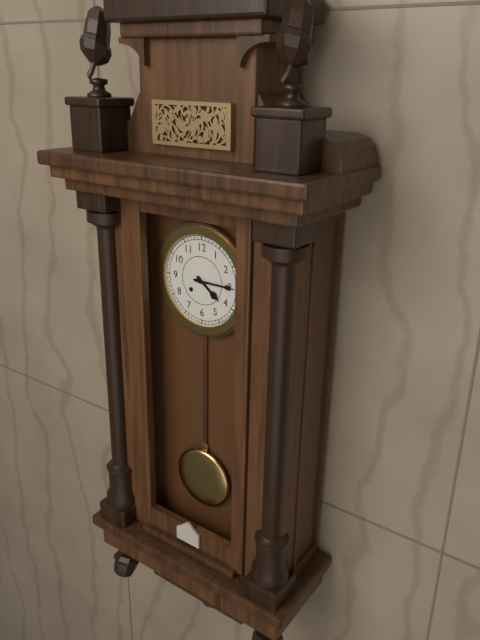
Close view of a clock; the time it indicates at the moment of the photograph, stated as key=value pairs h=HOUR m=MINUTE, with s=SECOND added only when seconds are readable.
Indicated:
h=4 m=15
